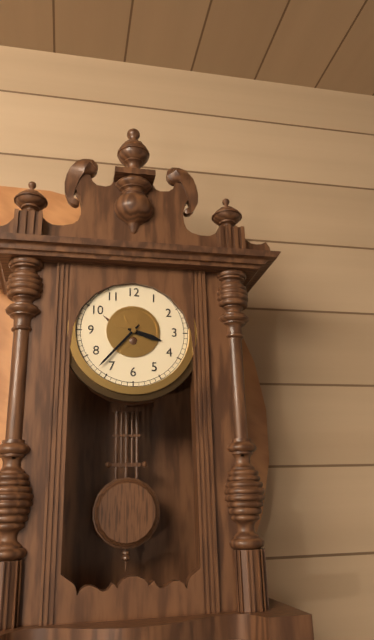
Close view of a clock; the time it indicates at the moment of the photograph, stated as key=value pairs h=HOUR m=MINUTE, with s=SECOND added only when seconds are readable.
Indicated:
h=3 m=37
